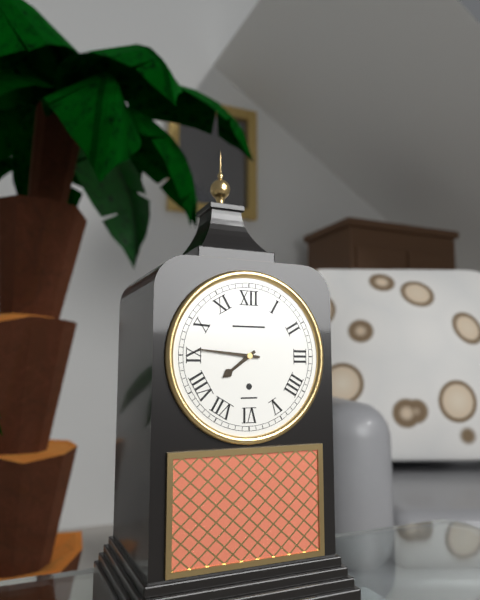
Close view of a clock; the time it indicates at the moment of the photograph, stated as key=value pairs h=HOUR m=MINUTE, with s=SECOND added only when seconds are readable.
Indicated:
h=7 m=46
